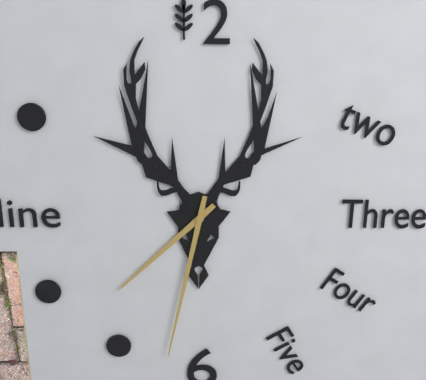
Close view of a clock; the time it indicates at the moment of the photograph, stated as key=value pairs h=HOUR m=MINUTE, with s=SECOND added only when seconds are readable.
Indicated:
h=7 m=32
